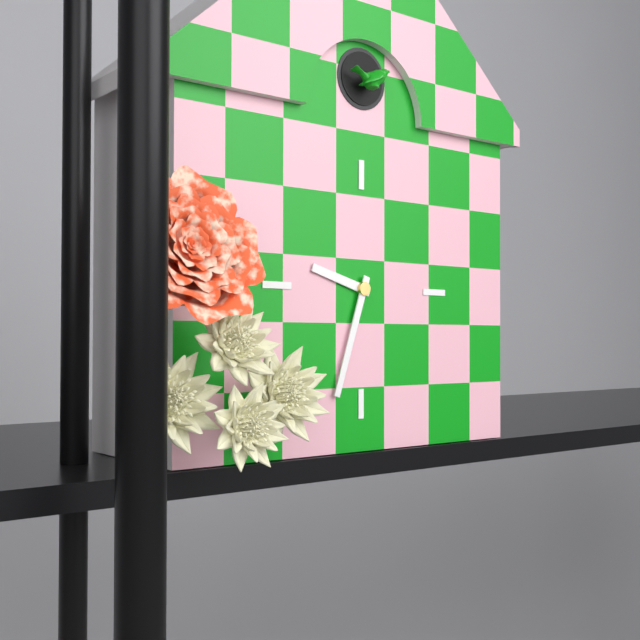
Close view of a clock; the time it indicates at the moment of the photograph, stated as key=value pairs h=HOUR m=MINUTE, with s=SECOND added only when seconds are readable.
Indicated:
h=9 m=33
